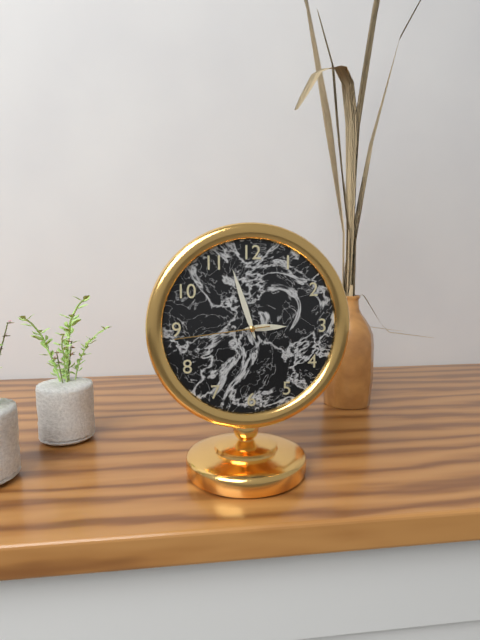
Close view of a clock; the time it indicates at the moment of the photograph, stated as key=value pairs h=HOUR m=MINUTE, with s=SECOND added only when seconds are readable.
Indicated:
h=2 m=57 s=44
